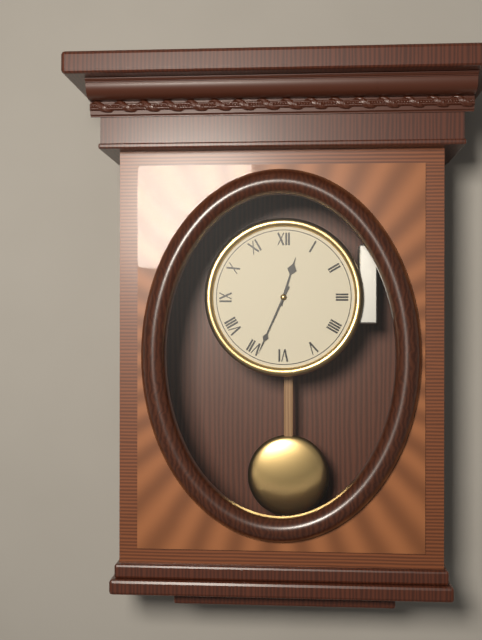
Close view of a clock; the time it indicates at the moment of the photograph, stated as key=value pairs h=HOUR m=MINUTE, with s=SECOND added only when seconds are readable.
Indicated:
h=12 m=34
